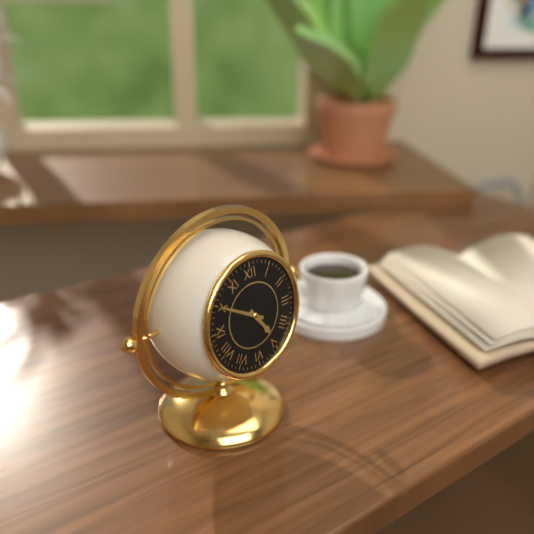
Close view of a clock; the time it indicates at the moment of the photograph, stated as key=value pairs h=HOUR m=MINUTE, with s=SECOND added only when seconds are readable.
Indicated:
h=4 m=50
